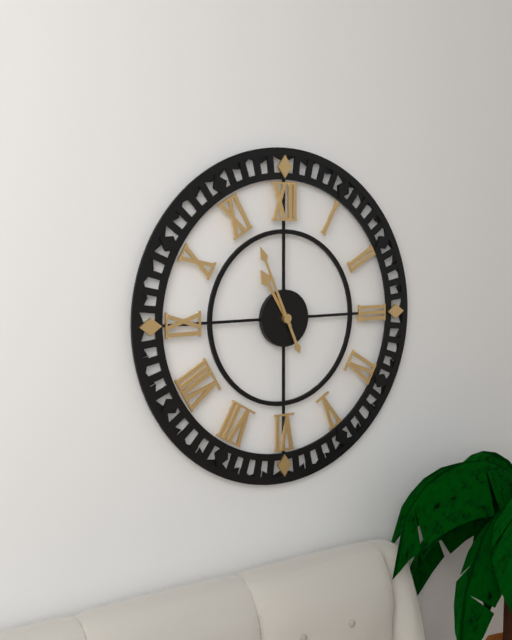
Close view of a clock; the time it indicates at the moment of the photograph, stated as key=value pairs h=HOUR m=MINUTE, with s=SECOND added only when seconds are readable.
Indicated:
h=10 m=56
